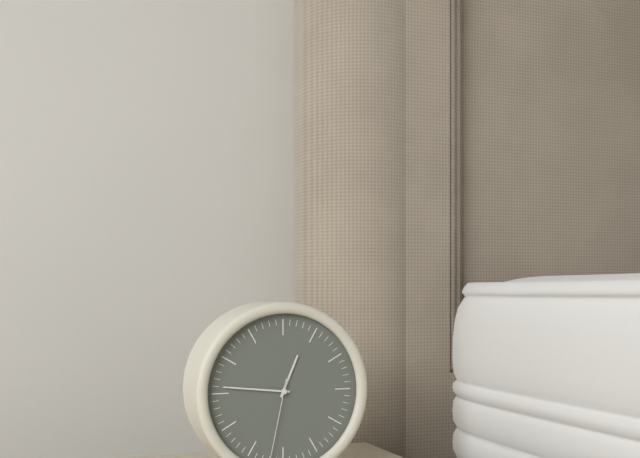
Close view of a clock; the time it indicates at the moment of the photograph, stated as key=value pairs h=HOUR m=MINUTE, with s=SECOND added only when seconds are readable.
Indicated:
h=12 m=46
